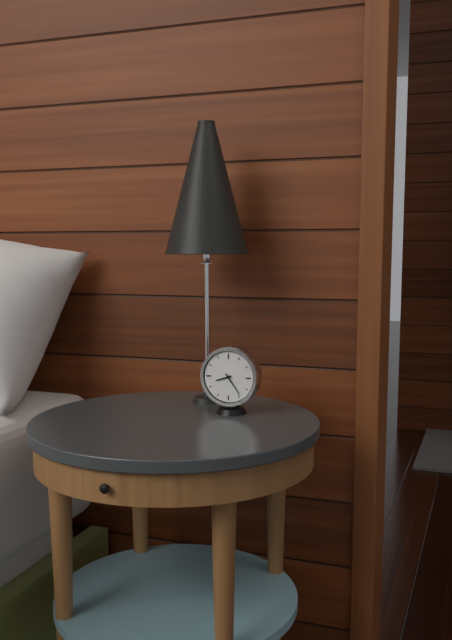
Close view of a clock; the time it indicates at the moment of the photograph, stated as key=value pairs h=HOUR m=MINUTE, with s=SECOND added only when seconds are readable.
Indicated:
h=8 m=24
